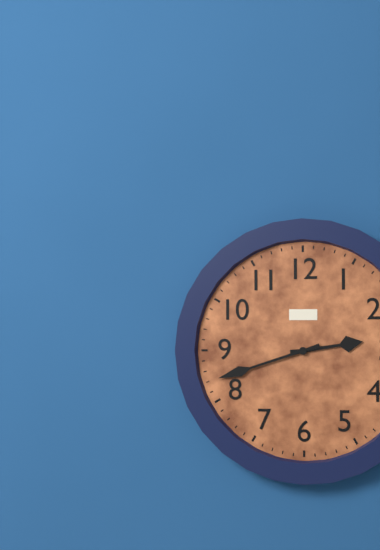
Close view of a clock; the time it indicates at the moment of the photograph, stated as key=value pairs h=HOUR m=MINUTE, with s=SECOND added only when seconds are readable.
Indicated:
h=2 m=42
